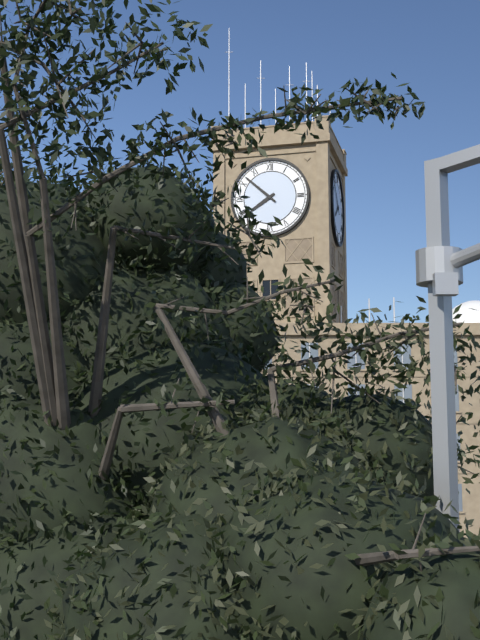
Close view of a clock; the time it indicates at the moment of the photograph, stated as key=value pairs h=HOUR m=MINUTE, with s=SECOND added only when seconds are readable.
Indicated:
h=7 m=52
